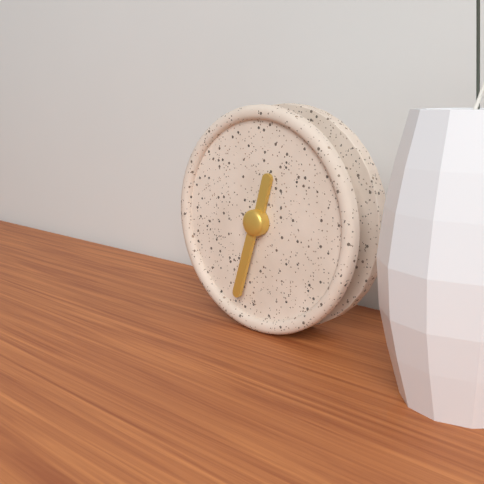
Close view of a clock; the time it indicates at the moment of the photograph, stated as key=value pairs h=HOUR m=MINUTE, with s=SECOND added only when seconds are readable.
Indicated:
h=12 m=33
